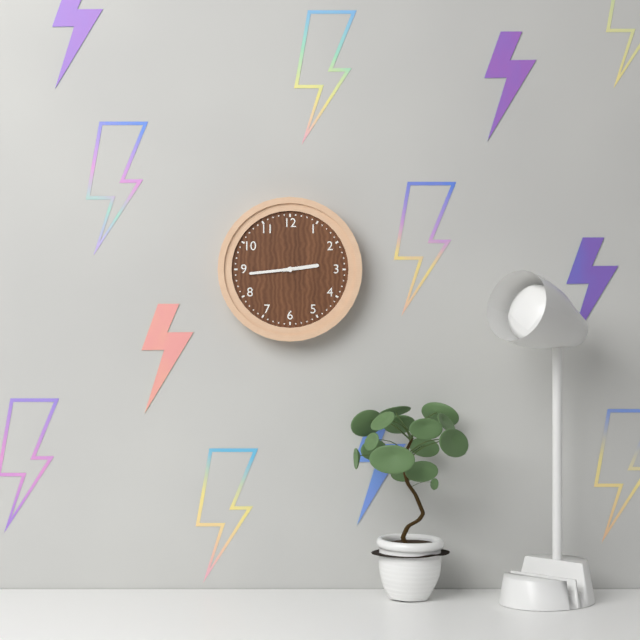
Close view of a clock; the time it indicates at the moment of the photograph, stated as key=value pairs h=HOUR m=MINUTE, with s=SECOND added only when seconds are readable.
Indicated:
h=2 m=44
